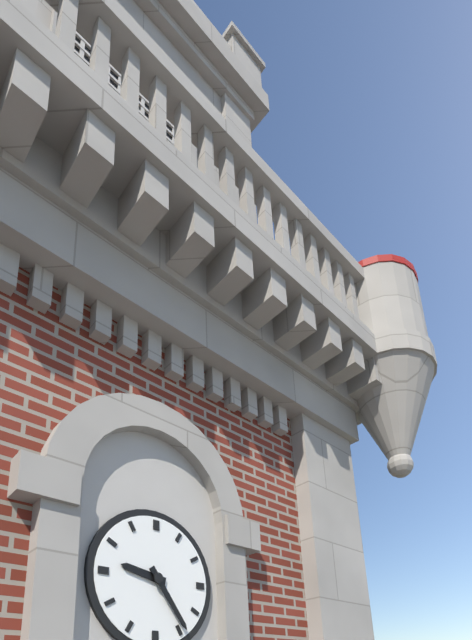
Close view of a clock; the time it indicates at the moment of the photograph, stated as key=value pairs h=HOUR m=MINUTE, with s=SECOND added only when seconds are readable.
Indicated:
h=9 m=24
